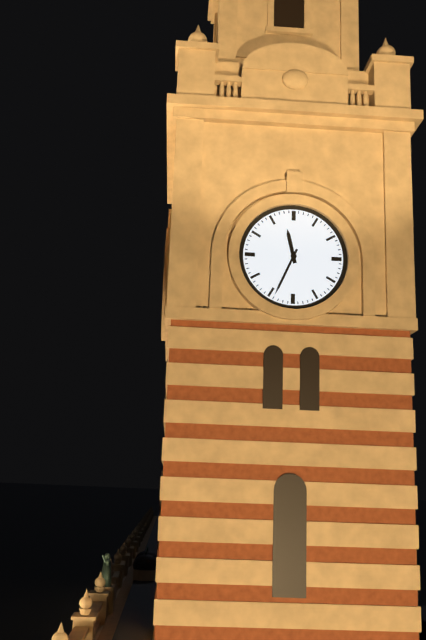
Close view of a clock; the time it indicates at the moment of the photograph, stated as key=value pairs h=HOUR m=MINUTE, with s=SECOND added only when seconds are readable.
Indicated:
h=11 m=34
